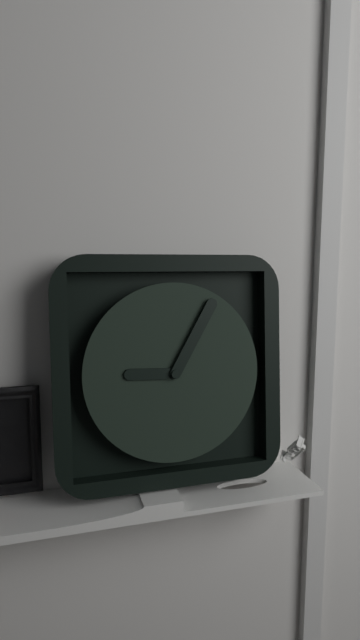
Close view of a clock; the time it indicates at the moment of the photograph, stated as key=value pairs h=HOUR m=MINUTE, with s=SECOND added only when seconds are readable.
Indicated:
h=9 m=5
